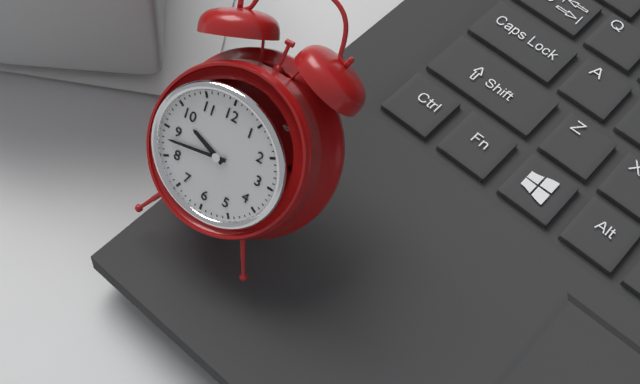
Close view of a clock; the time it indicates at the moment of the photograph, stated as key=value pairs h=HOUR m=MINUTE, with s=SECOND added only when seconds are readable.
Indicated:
h=9 m=43
